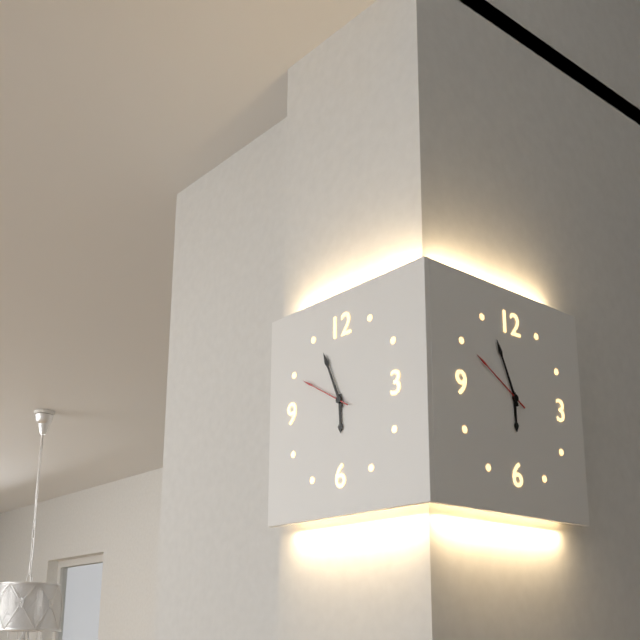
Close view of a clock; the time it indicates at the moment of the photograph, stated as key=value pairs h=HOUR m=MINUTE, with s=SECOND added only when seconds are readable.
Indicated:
h=5 m=56 s=50
